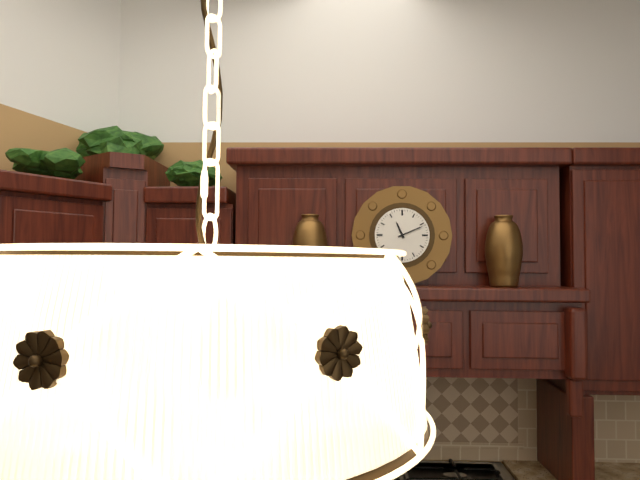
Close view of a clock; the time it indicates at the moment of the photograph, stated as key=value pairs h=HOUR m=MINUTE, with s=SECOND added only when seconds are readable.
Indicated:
h=11 m=11
